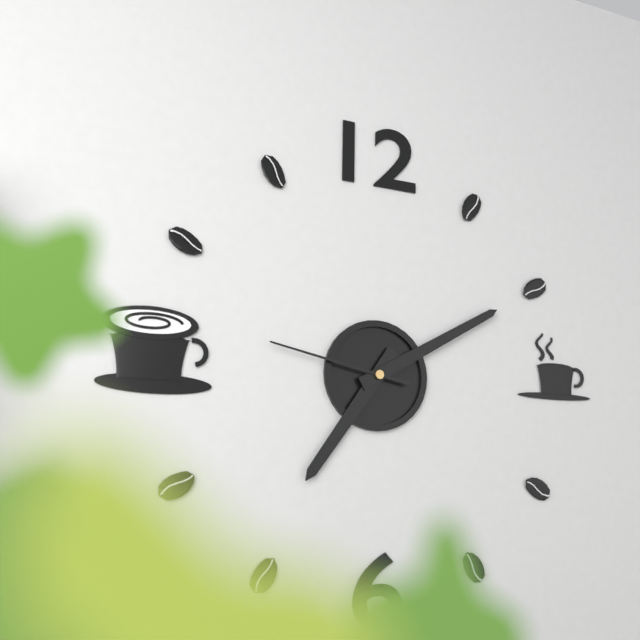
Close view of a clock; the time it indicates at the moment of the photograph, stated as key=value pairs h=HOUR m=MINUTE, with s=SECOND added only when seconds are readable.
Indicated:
h=7 m=10 s=47
